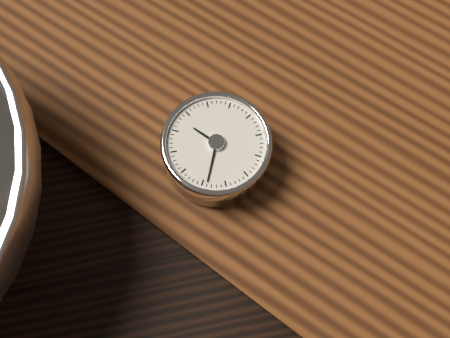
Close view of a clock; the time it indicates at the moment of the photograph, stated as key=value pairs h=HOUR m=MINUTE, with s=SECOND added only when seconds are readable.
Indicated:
h=10 m=34
